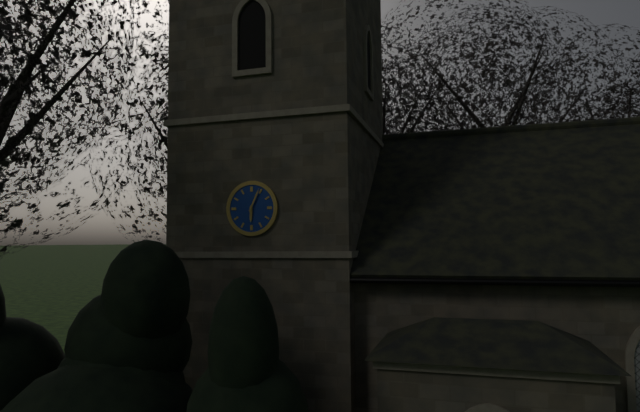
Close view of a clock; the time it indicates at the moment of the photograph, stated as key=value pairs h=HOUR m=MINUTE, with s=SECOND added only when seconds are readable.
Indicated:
h=6 m=4
